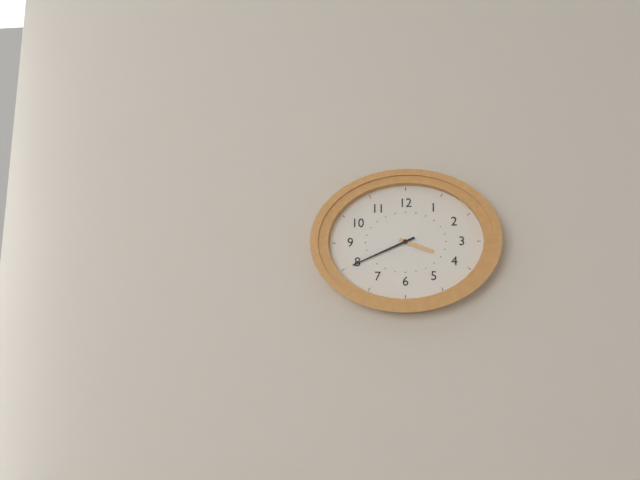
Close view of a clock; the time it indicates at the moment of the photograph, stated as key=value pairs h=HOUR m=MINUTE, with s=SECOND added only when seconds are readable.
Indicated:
h=3 m=41
